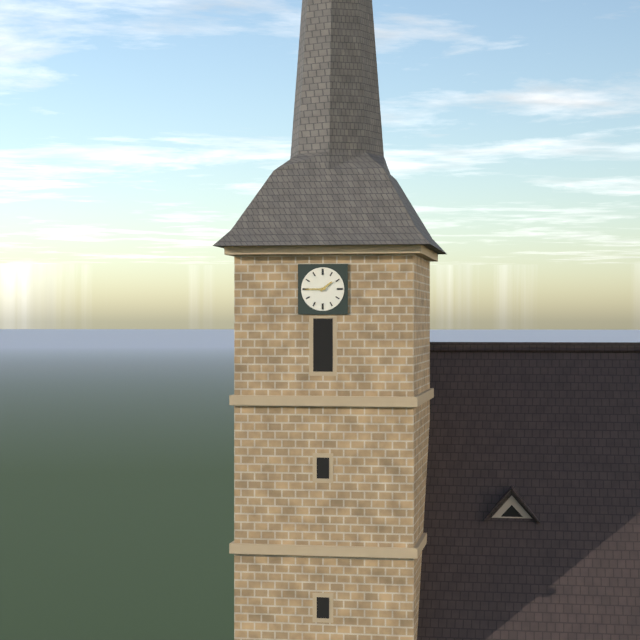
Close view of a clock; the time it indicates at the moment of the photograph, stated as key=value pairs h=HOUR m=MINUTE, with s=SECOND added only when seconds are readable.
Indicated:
h=1 m=45
